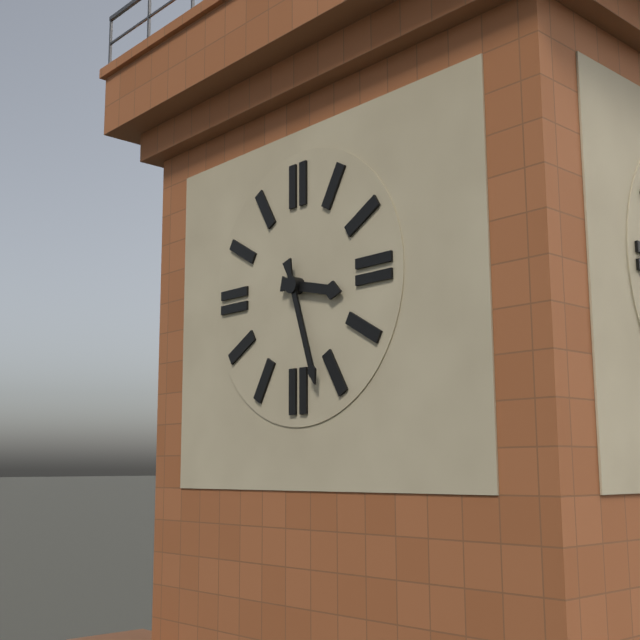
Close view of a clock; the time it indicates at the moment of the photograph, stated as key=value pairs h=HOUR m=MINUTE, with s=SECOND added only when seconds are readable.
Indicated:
h=3 m=27
